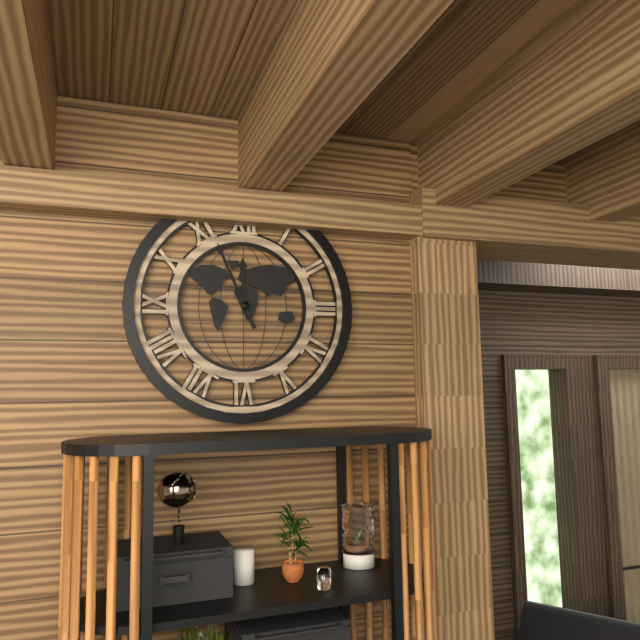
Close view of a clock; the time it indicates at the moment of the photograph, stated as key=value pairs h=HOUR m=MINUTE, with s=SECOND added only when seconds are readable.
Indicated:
h=11 m=56
